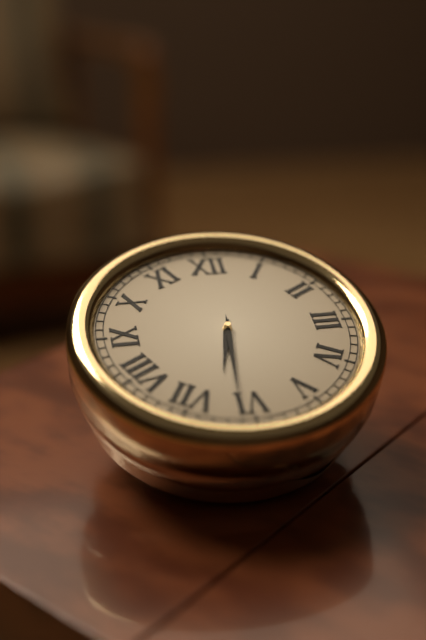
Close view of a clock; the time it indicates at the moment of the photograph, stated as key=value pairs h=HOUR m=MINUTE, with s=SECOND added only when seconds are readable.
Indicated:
h=6 m=31
